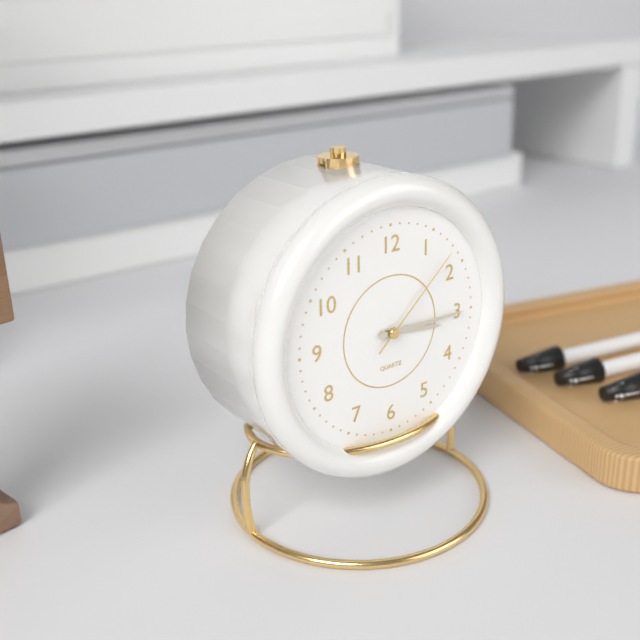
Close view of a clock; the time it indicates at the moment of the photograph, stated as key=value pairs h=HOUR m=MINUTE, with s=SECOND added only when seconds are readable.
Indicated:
h=3 m=15 s=8
